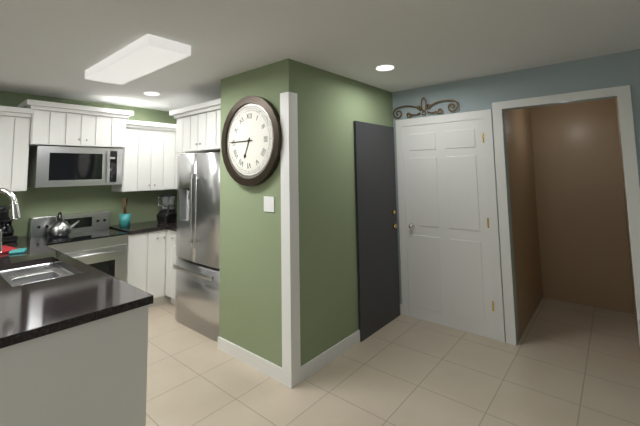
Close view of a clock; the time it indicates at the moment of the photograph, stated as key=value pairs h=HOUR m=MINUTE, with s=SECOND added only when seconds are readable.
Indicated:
h=6 m=45
